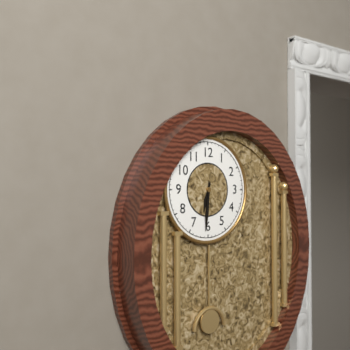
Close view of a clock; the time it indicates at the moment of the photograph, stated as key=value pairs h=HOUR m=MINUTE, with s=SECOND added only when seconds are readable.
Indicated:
h=6 m=31
